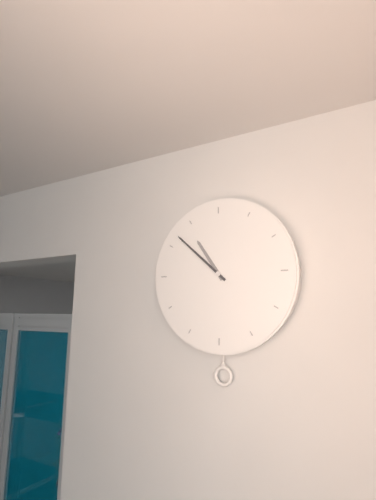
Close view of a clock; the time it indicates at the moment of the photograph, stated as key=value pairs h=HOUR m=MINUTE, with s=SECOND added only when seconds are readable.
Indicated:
h=10 m=52
